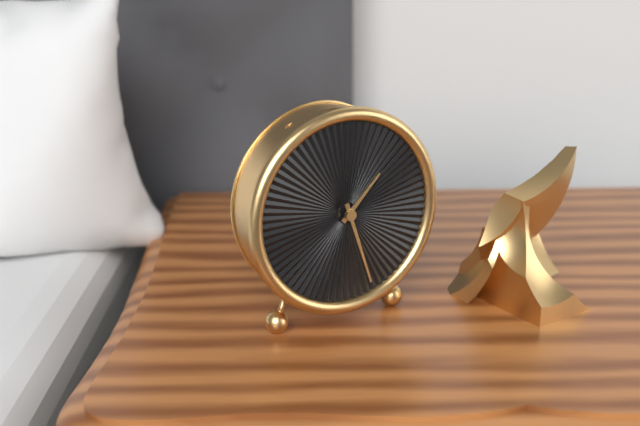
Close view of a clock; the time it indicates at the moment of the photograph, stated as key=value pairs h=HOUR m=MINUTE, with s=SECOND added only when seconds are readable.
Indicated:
h=1 m=27
